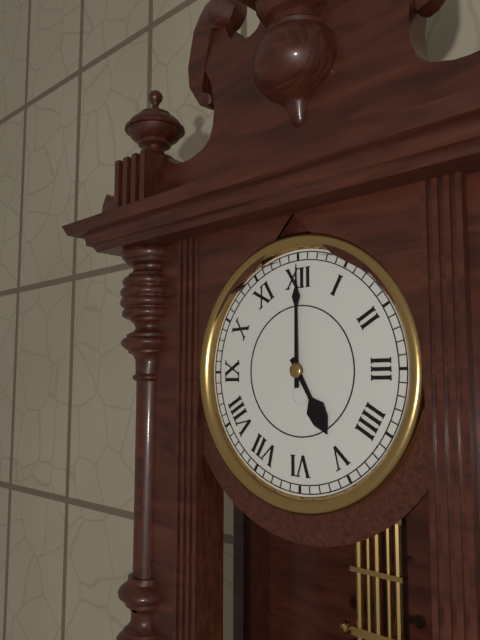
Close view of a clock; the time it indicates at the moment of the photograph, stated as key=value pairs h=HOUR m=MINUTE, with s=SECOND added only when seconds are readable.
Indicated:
h=5 m=0
